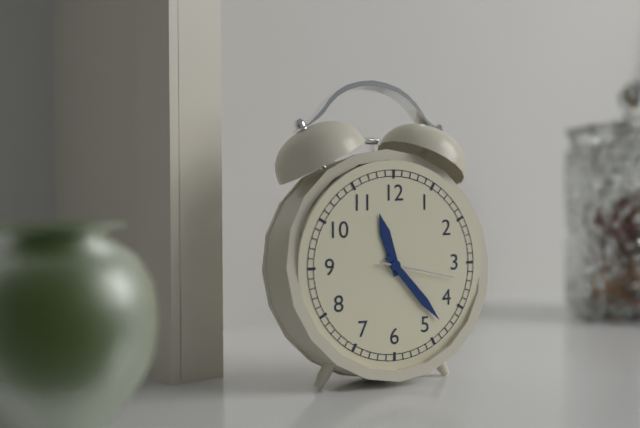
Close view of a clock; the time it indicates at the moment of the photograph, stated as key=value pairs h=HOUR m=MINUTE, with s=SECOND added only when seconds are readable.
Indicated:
h=11 m=23 s=17
